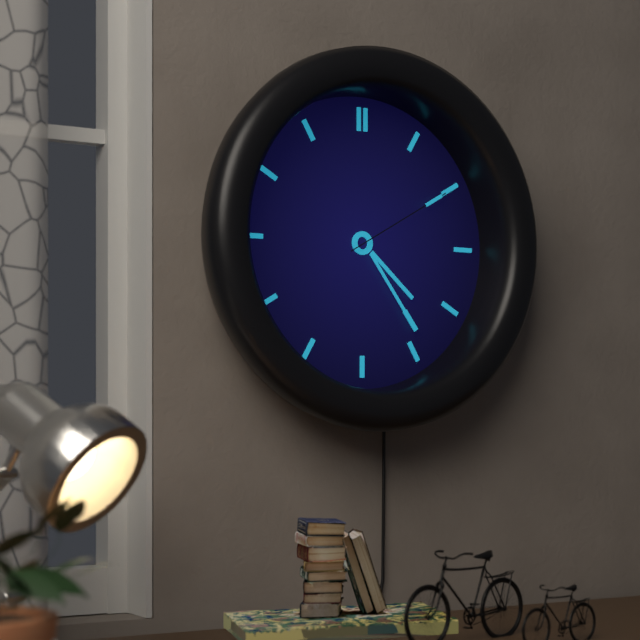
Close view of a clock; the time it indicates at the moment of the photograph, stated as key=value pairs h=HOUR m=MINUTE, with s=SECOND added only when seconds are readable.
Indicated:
h=4 m=24 s=10
